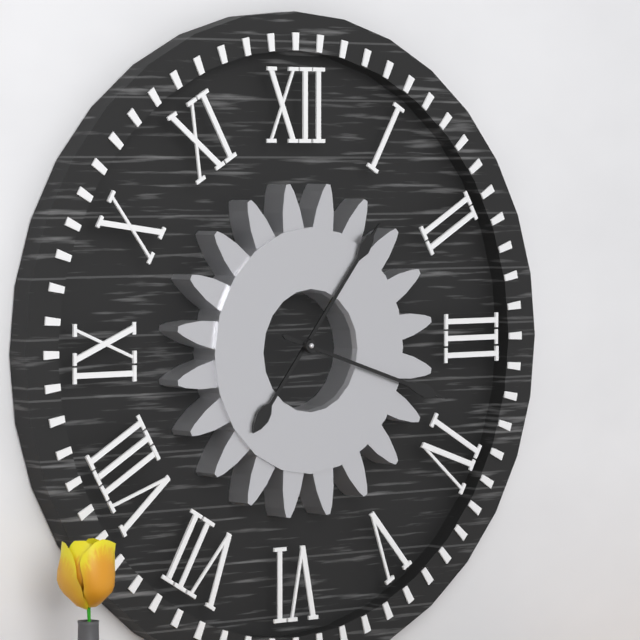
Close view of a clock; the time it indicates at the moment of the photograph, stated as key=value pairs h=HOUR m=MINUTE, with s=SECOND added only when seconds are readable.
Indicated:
h=1 m=18
